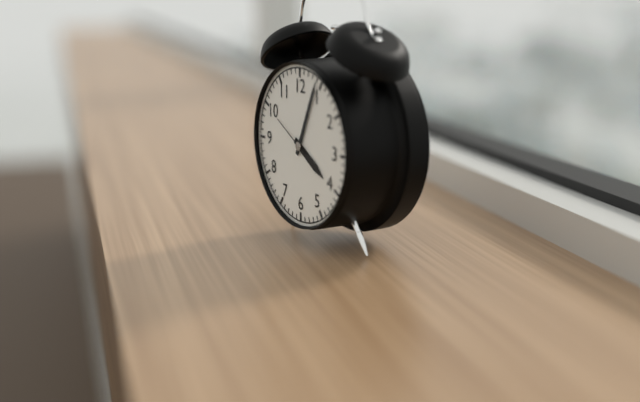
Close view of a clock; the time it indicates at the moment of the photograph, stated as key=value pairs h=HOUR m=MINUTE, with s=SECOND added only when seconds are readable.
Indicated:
h=4 m=4 s=50
